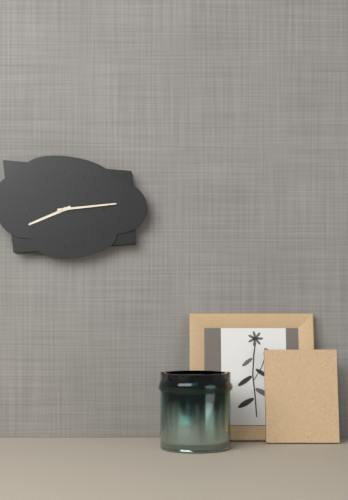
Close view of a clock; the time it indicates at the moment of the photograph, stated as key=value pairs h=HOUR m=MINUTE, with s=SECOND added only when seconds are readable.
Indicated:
h=8 m=14
